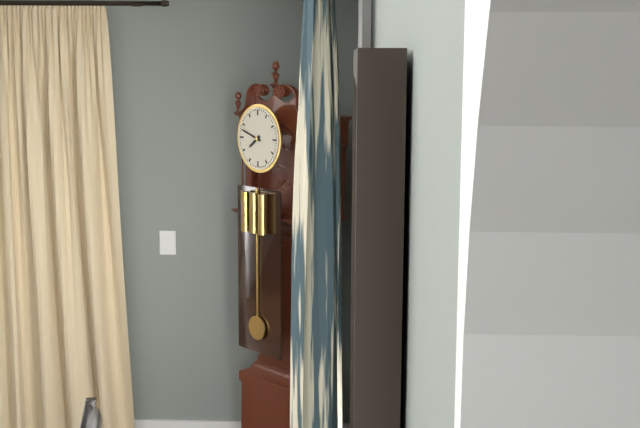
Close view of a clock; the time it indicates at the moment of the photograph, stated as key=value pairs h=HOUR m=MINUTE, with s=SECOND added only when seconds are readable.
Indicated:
h=7 m=48
